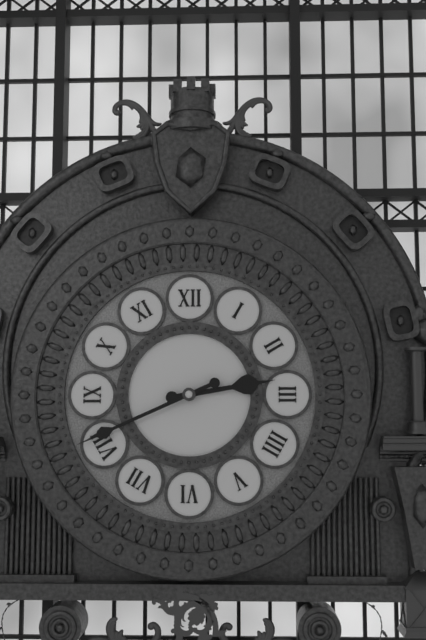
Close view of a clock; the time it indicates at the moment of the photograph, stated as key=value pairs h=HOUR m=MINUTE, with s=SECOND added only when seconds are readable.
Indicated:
h=2 m=41
